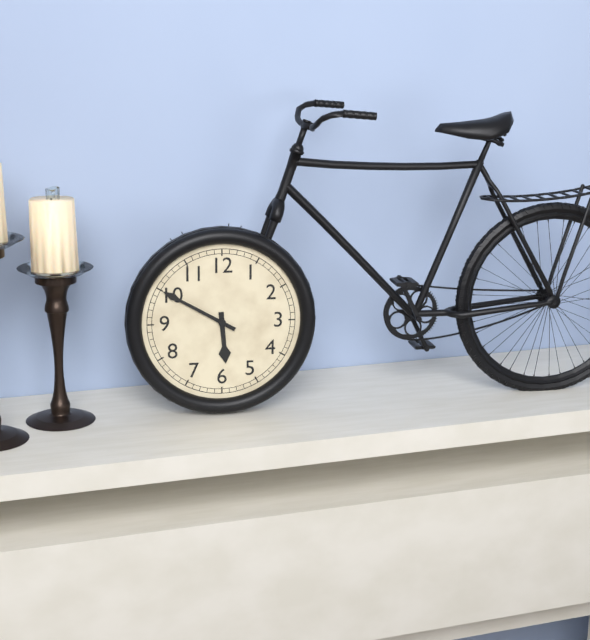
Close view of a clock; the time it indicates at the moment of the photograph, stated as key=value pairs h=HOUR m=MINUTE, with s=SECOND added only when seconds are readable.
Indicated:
h=5 m=50
